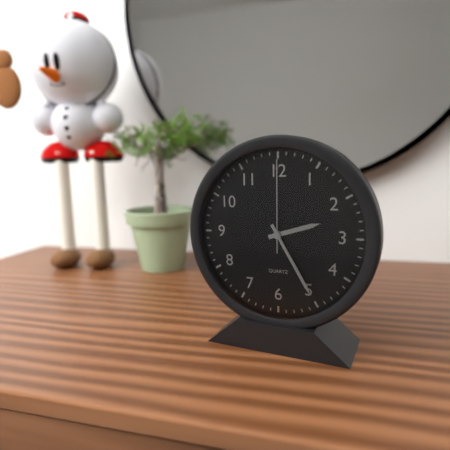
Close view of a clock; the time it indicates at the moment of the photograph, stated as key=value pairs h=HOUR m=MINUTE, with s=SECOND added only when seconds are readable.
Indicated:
h=2 m=25 s=0
